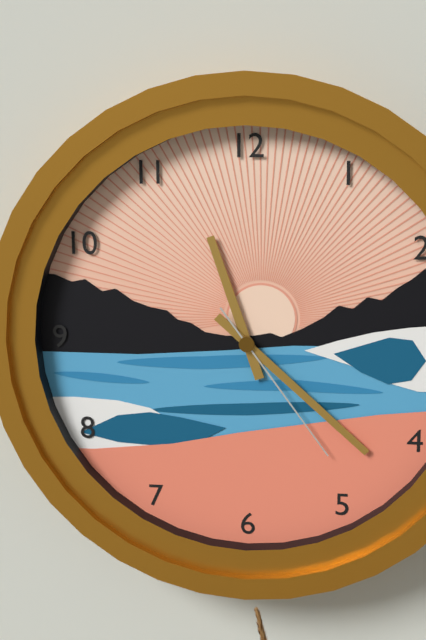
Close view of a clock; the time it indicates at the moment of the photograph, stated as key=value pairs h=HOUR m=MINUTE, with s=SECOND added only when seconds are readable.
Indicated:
h=11 m=22 s=24
